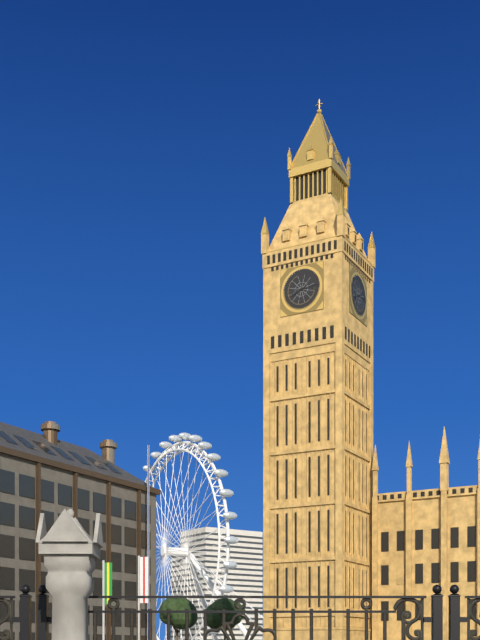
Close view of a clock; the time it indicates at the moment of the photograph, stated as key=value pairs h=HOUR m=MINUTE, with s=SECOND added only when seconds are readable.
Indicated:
h=8 m=14
